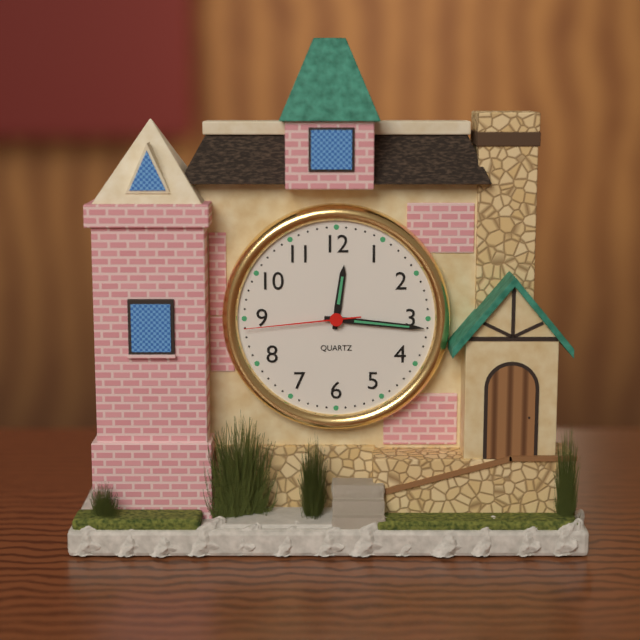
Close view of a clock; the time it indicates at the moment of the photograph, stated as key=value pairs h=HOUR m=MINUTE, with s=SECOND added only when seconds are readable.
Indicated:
h=12 m=16 s=44
